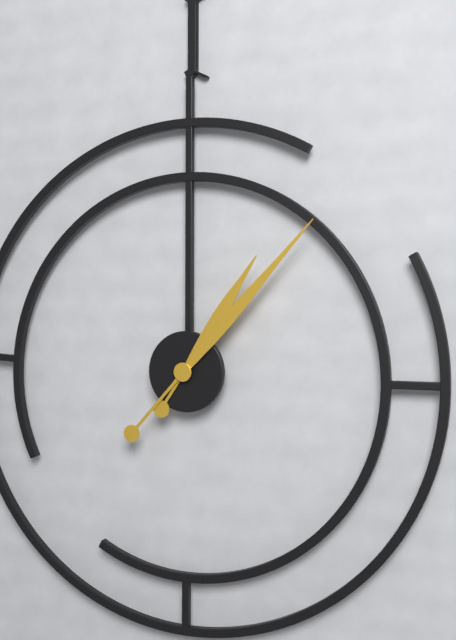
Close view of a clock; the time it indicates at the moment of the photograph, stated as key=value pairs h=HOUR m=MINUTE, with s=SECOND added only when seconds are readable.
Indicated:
h=1 m=7
